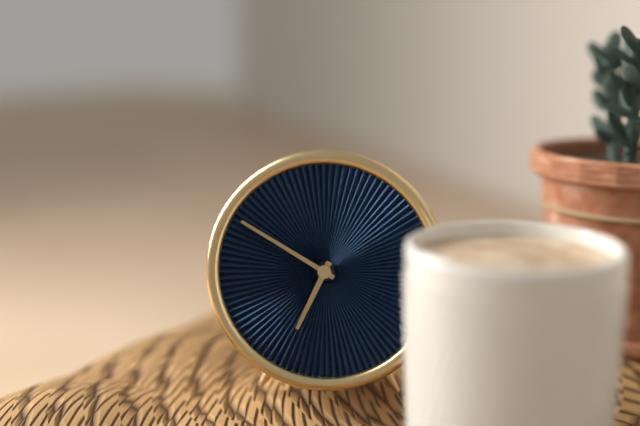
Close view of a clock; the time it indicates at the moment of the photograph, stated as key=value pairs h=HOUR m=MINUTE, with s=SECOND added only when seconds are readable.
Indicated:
h=6 m=50
